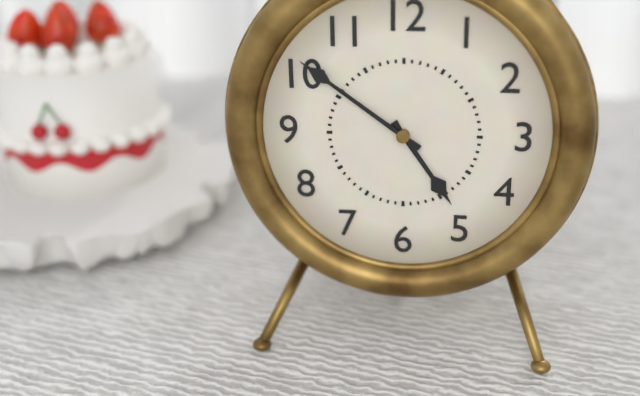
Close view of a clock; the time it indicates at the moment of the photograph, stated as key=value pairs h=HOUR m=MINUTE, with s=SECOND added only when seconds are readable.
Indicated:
h=4 m=51
